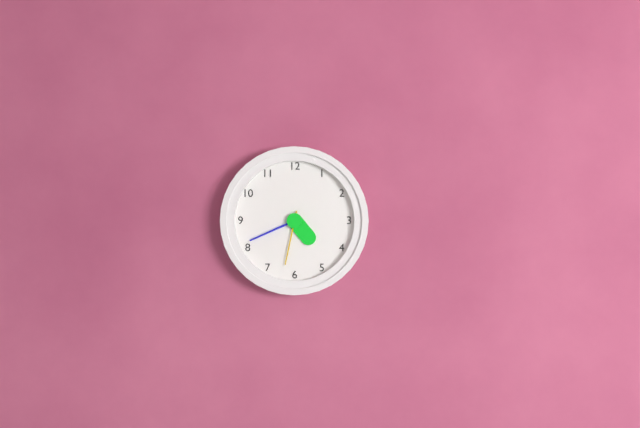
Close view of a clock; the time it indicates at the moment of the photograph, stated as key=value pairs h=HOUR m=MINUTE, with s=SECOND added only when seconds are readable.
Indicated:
h=4 m=41 s=32
